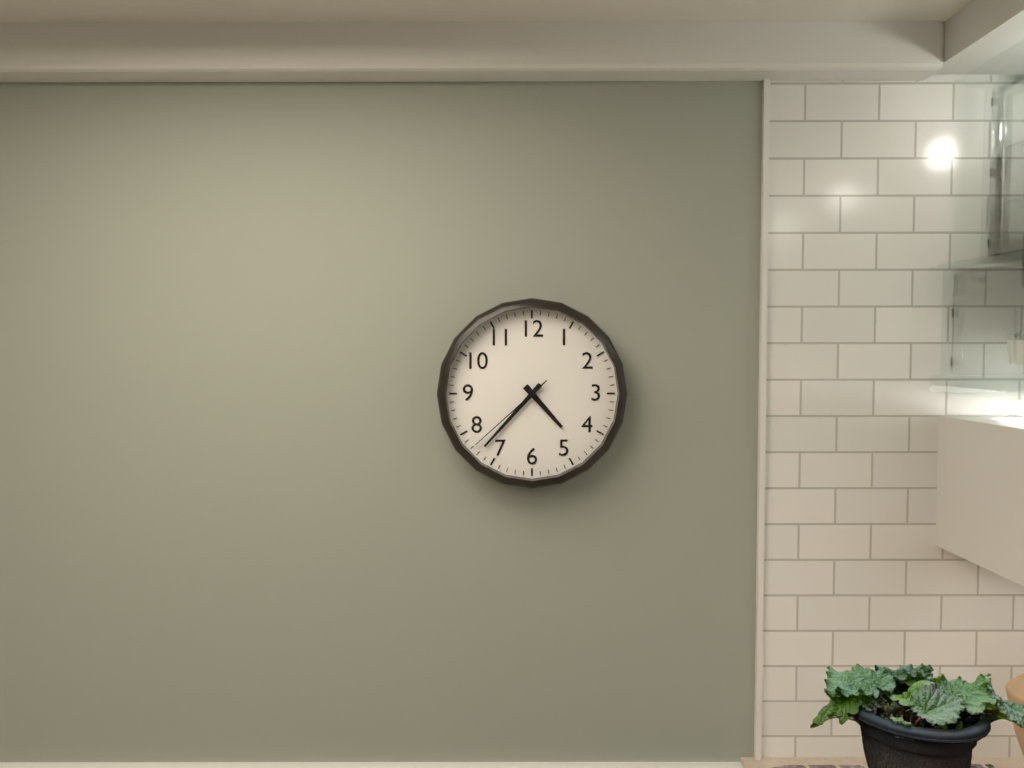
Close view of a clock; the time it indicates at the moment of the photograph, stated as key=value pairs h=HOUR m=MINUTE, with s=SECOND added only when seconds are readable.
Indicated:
h=4 m=37 s=38
